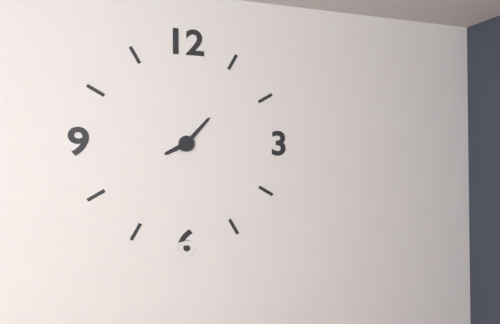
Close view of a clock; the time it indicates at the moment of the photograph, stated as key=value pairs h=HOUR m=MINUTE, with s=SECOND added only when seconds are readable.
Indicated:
h=8 m=7
